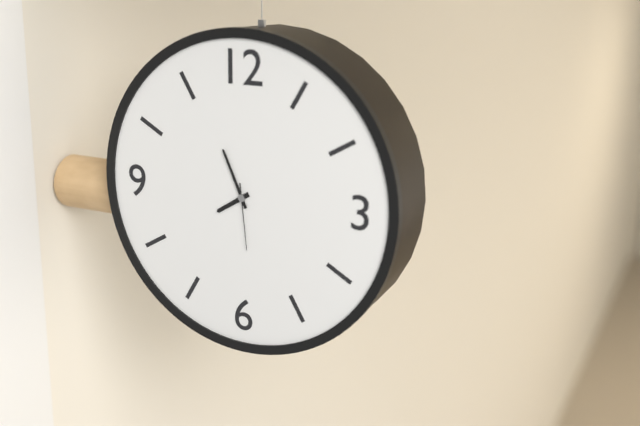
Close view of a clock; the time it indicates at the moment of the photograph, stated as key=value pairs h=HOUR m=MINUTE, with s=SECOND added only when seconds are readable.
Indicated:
h=7 m=56 s=29
